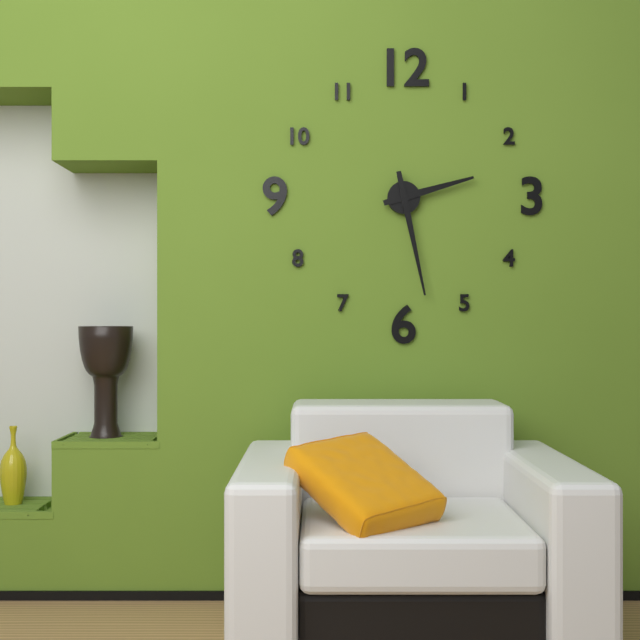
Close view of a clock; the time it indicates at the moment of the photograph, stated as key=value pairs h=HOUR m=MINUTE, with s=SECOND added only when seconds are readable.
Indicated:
h=2 m=28
